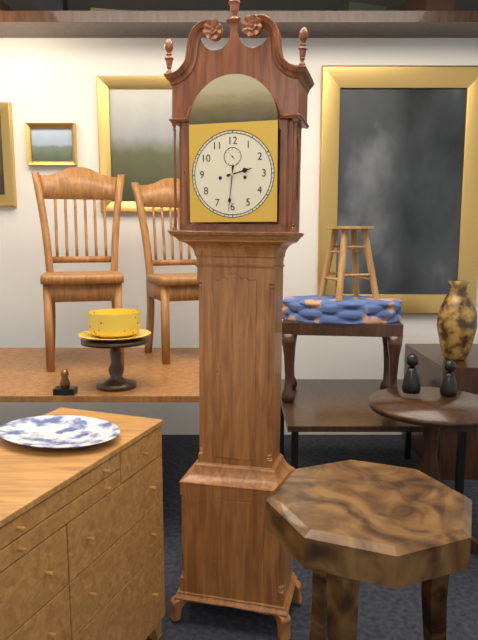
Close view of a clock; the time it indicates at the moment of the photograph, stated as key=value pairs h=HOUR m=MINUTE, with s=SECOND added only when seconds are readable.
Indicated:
h=2 m=31
